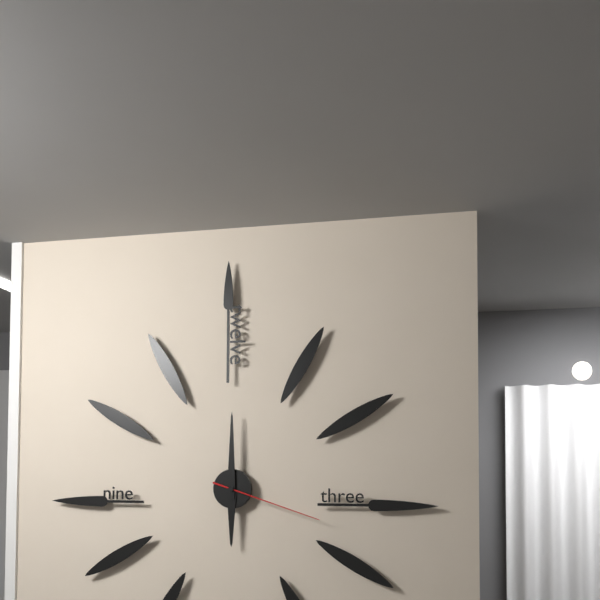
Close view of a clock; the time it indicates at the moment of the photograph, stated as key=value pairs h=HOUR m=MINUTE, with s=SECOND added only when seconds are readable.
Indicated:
h=6 m=0 s=18
